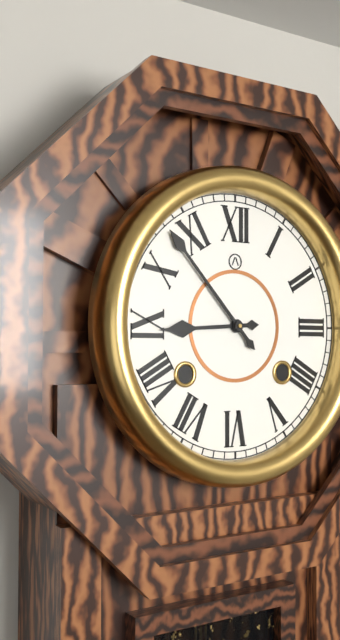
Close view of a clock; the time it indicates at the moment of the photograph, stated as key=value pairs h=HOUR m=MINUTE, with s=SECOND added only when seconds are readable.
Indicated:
h=8 m=53
